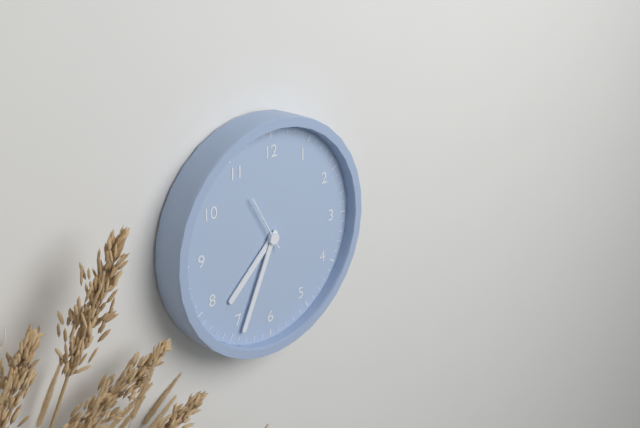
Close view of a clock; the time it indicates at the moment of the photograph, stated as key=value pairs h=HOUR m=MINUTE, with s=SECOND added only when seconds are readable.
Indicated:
h=7 m=34 s=55
